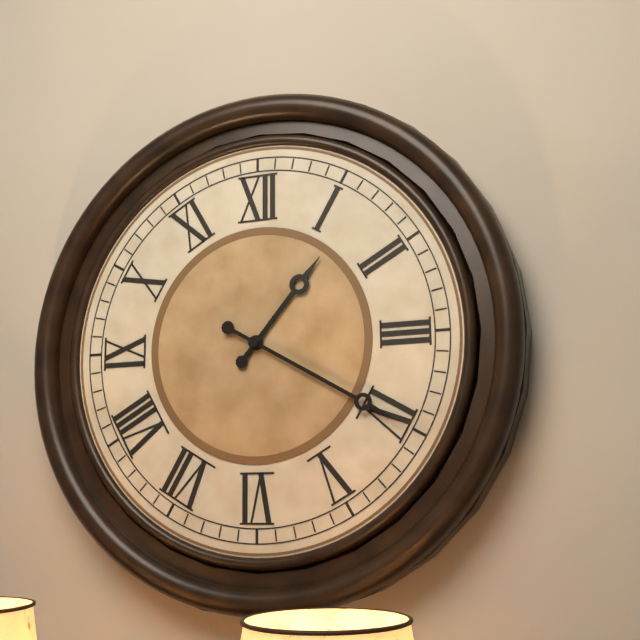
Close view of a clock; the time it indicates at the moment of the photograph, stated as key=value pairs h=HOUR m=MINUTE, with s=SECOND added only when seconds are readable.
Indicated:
h=1 m=20
